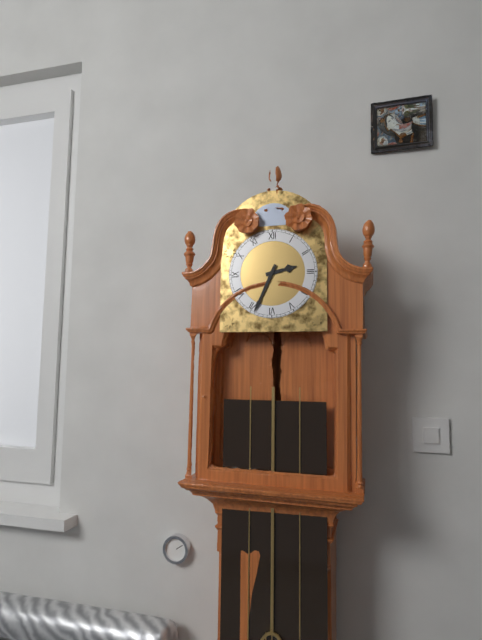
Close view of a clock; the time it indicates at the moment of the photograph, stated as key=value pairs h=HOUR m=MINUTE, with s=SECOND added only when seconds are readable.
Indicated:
h=2 m=34
